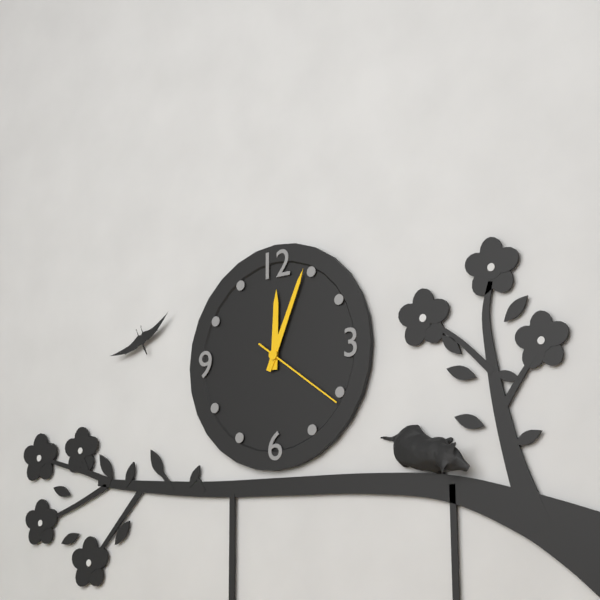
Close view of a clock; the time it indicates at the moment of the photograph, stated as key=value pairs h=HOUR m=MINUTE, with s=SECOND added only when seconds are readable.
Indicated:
h=12 m=4 s=21
